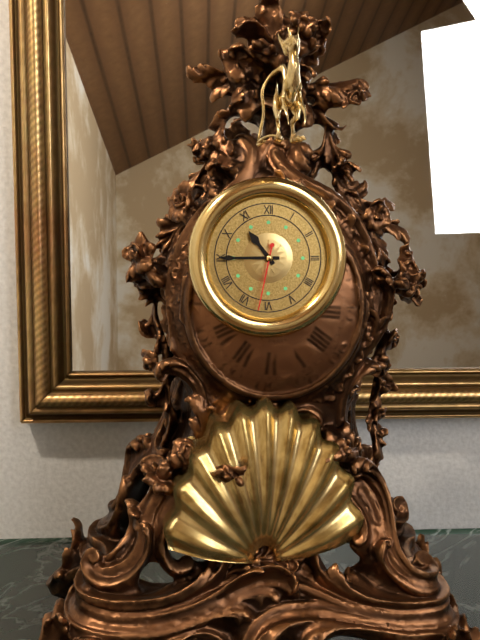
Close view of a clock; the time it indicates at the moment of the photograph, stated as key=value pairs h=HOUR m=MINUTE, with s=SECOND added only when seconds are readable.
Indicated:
h=10 m=45 s=32
